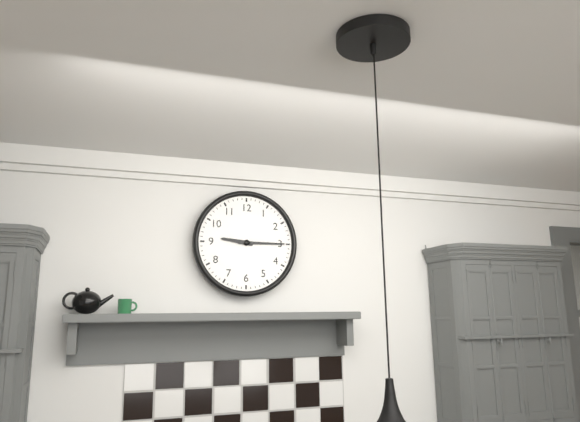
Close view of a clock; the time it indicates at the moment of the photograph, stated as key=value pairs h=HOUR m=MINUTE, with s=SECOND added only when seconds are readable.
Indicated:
h=9 m=15
